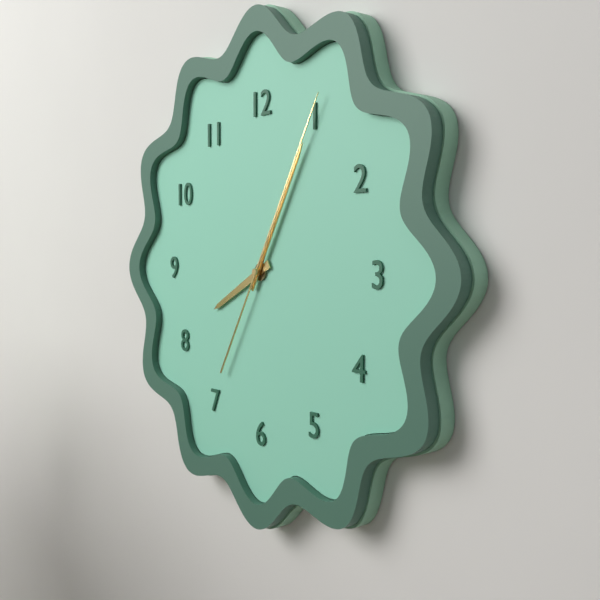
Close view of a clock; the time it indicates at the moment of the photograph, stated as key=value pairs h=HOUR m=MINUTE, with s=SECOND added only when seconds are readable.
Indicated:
h=8 m=5 s=5
